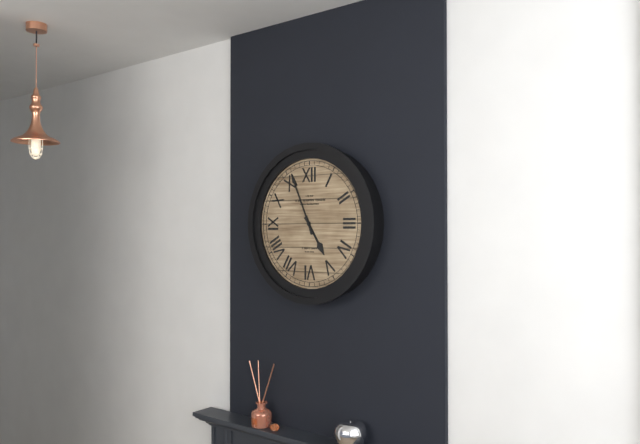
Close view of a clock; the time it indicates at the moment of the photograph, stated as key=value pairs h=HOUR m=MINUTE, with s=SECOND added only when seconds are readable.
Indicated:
h=4 m=56
